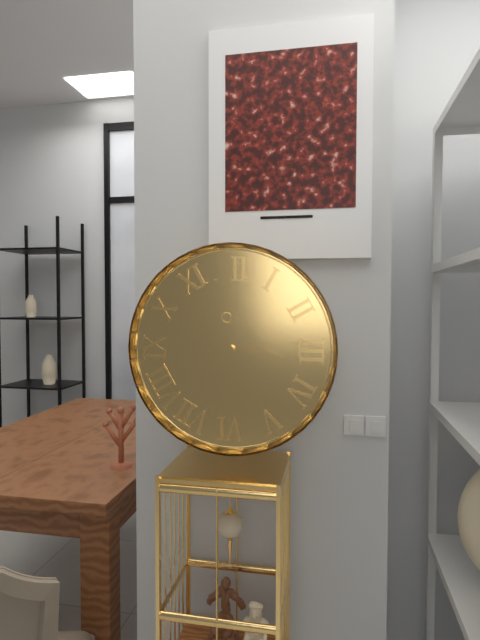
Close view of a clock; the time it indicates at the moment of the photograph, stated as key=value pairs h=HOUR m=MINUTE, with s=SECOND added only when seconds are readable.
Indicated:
h=3 m=14
